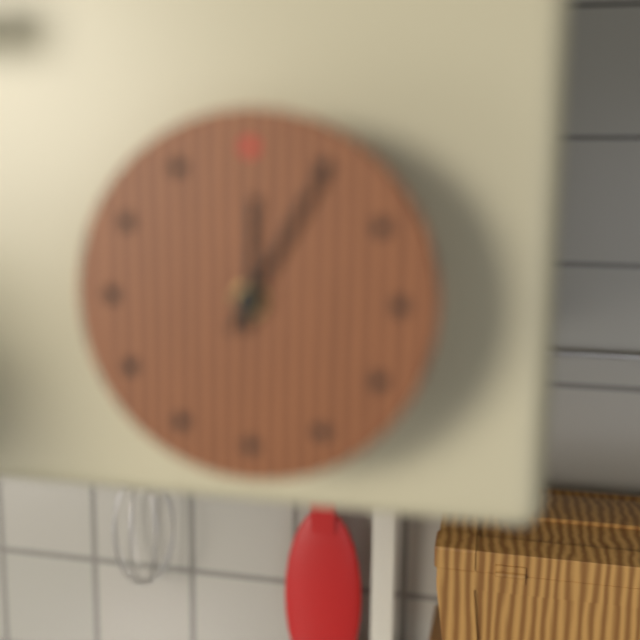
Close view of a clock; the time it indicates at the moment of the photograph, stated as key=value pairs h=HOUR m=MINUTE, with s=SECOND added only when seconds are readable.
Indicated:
h=12 m=5
